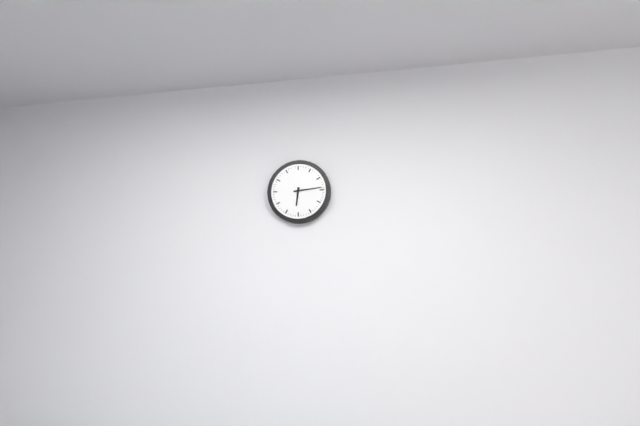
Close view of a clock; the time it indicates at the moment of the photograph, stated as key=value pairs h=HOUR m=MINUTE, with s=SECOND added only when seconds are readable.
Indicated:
h=6 m=14
